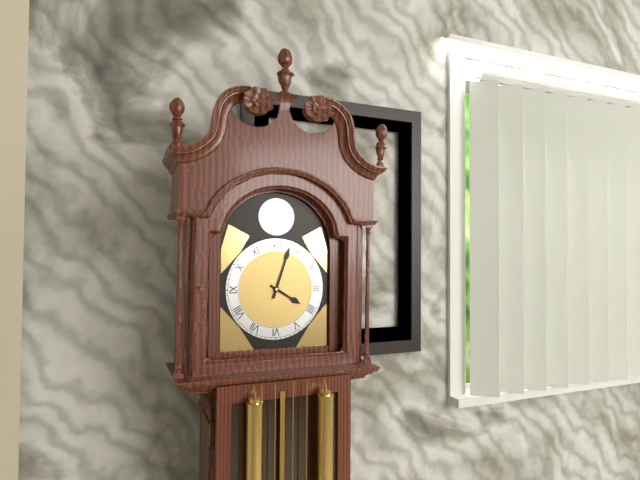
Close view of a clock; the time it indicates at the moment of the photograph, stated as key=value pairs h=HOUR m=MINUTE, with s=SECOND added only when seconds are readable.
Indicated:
h=4 m=3
